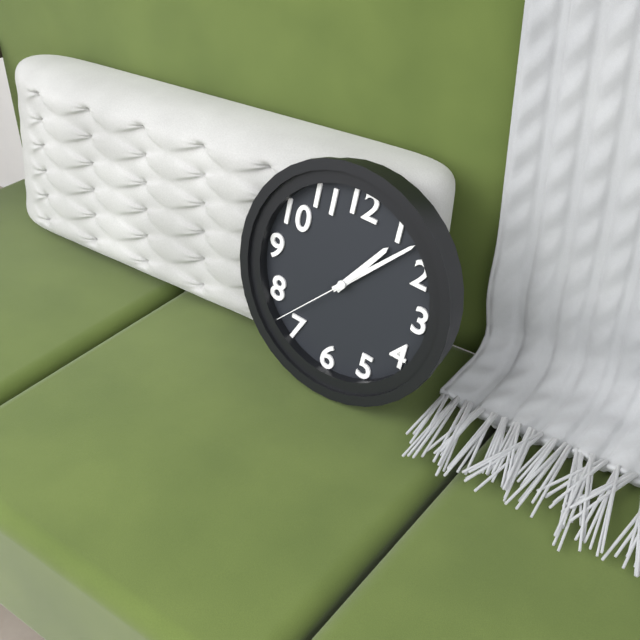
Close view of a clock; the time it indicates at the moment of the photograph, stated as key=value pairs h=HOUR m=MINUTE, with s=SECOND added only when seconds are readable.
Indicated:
h=1 m=7 s=37
